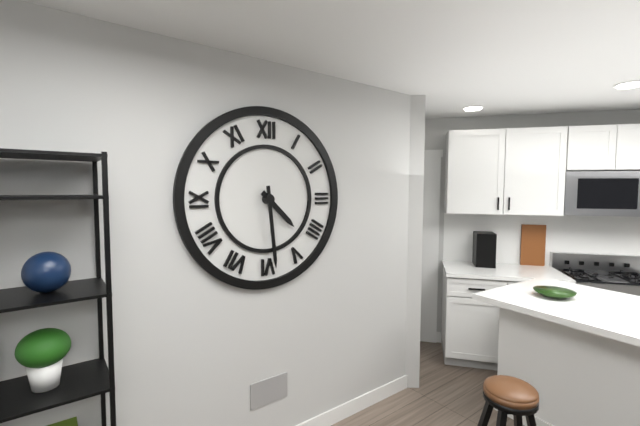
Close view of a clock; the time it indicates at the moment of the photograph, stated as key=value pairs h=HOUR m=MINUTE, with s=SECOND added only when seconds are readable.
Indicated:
h=4 m=29
